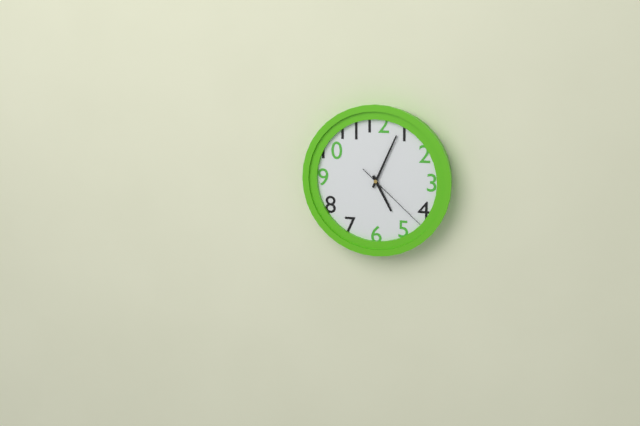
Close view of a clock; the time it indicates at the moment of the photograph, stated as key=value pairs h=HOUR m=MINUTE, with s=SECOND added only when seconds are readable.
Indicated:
h=5 m=4 s=22
